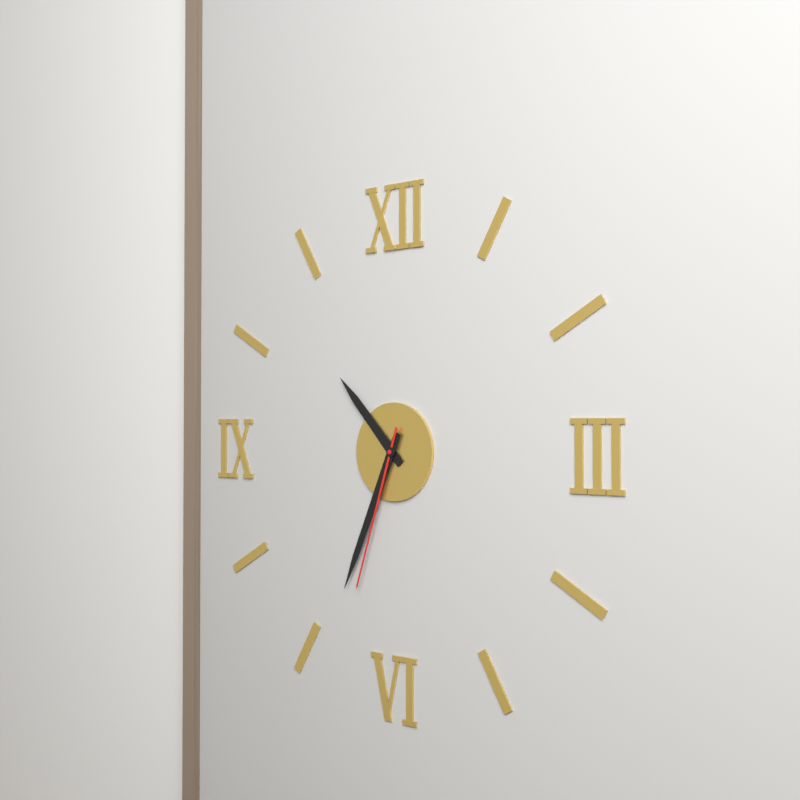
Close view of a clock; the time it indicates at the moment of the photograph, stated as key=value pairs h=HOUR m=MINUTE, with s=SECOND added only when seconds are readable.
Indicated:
h=10 m=34 s=33
